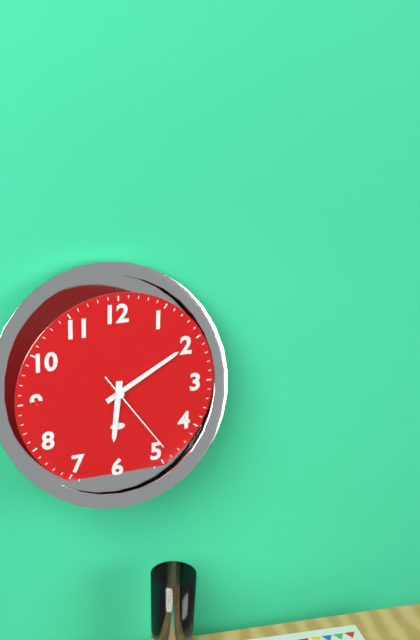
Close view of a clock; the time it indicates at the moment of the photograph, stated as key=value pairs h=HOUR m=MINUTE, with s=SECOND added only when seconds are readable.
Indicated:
h=6 m=10 s=24
